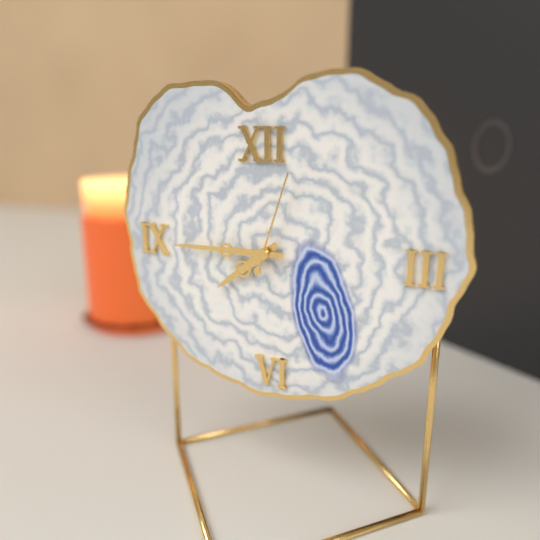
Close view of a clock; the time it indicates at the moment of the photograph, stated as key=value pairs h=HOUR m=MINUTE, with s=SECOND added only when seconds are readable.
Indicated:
h=7 m=45 s=3
